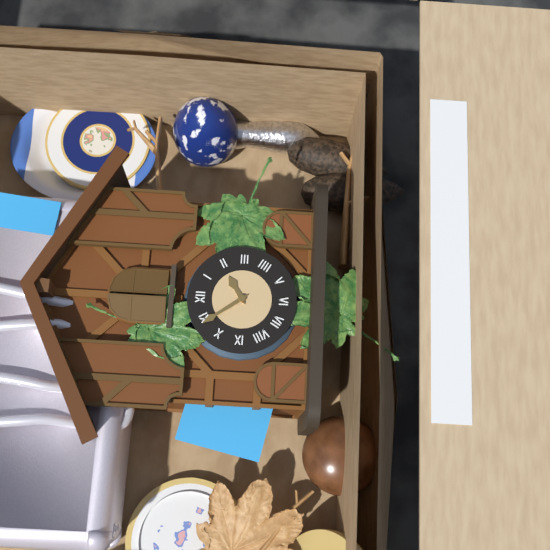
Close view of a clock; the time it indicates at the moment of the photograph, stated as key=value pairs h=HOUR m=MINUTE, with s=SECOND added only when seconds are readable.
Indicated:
h=1 m=54
